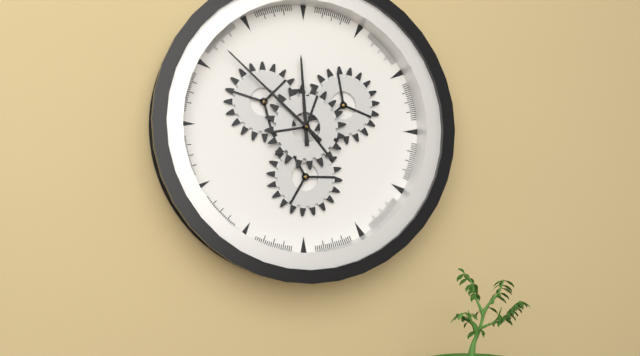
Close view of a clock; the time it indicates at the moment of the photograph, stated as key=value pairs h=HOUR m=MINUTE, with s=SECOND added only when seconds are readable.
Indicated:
h=11 m=52
